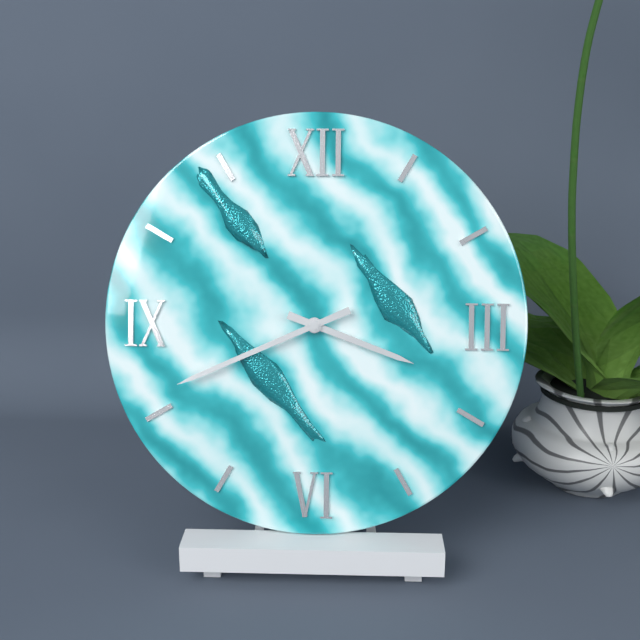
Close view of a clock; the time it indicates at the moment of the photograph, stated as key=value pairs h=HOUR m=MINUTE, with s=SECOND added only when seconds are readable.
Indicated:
h=3 m=41
